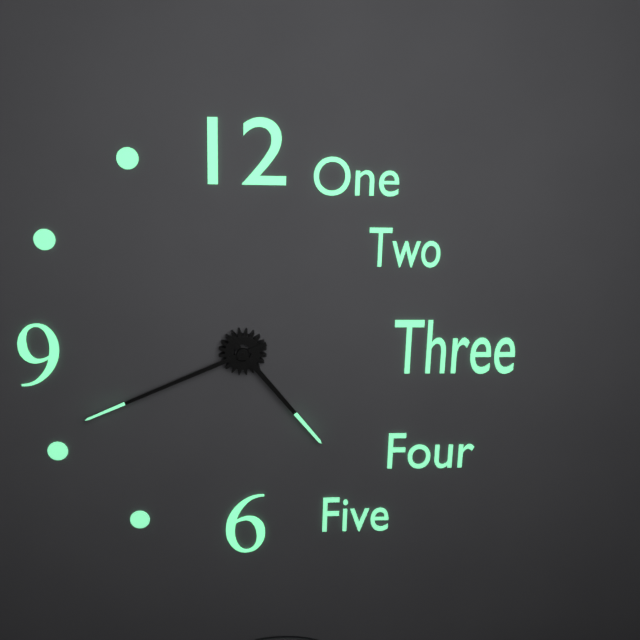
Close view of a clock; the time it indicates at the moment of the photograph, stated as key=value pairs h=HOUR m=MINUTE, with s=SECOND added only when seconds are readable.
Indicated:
h=4 m=41
